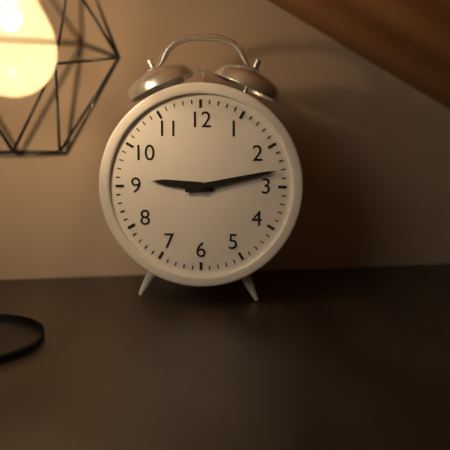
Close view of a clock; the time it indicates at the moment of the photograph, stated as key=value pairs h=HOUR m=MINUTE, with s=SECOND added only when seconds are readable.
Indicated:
h=9 m=13
